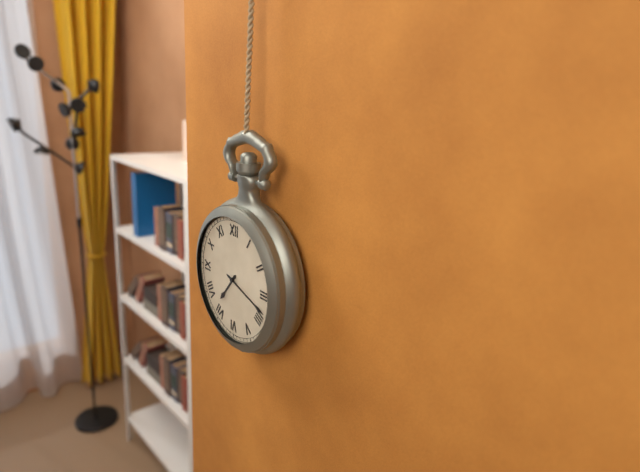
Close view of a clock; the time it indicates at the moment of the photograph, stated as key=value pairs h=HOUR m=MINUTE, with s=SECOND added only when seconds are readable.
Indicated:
h=7 m=18
